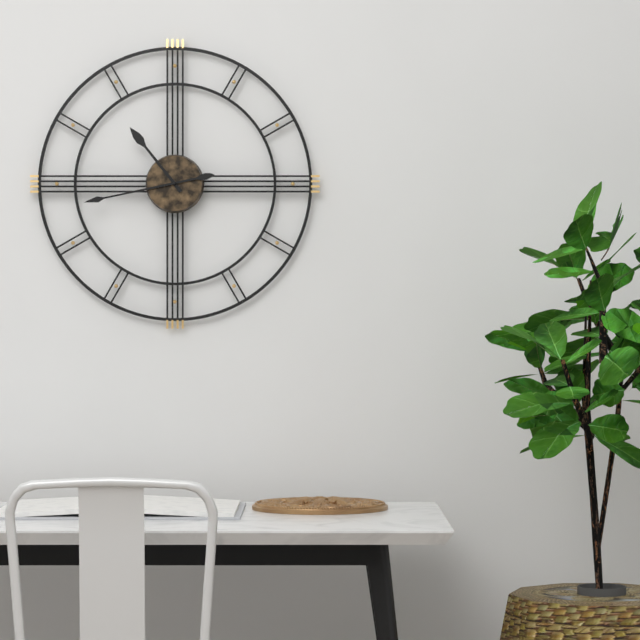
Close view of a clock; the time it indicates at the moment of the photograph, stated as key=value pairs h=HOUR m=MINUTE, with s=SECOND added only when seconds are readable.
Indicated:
h=10 m=43
